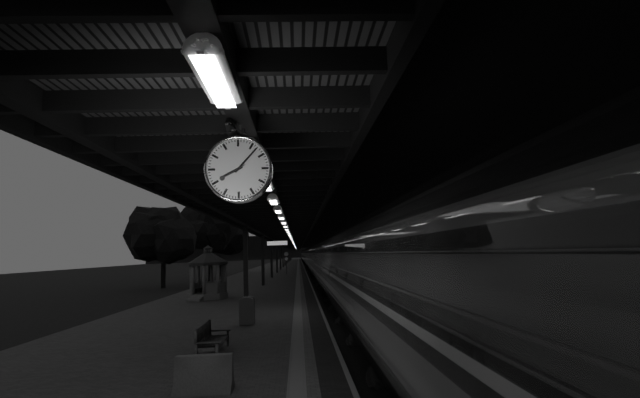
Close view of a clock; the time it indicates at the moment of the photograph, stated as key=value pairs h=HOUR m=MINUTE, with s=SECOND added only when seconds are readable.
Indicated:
h=8 m=7
